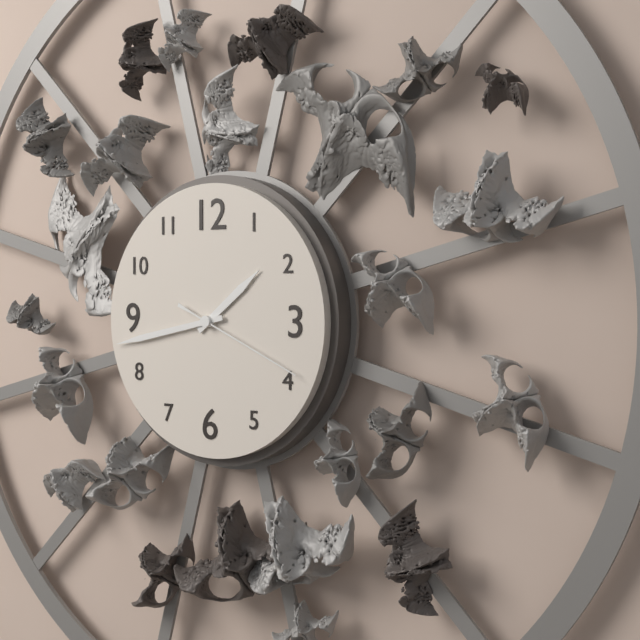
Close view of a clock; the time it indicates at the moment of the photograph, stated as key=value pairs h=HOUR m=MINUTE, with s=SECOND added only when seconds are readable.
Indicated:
h=1 m=43 s=19
